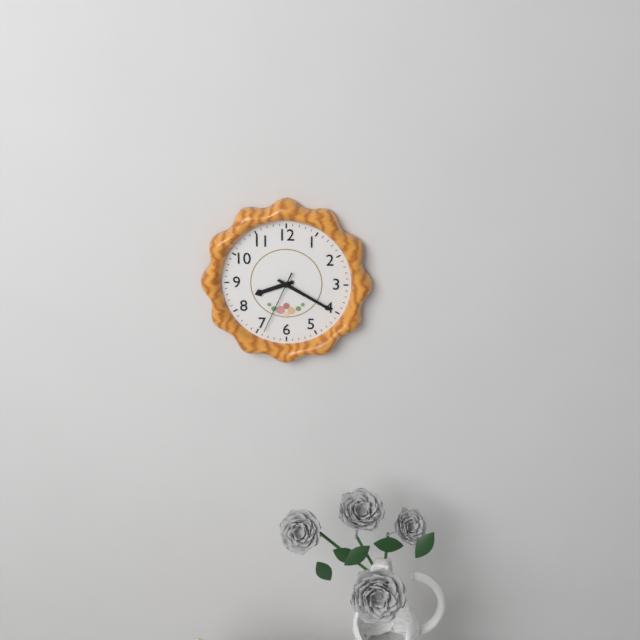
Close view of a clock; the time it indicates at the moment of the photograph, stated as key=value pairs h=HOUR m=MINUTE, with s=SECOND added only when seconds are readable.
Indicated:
h=8 m=20 s=34
